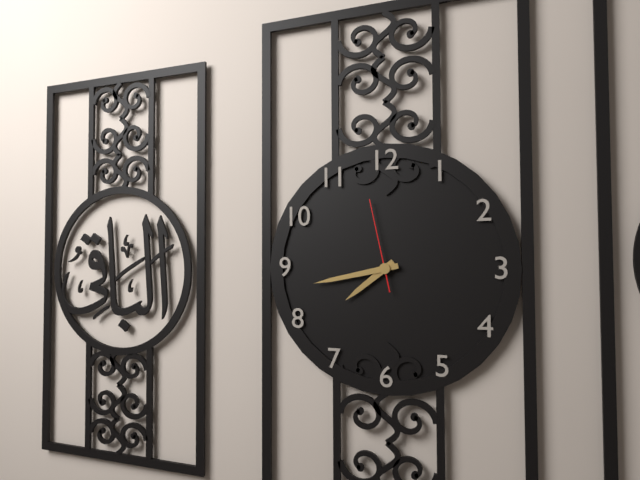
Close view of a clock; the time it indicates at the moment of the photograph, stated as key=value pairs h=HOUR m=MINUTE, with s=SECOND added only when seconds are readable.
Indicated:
h=7 m=43 s=58
